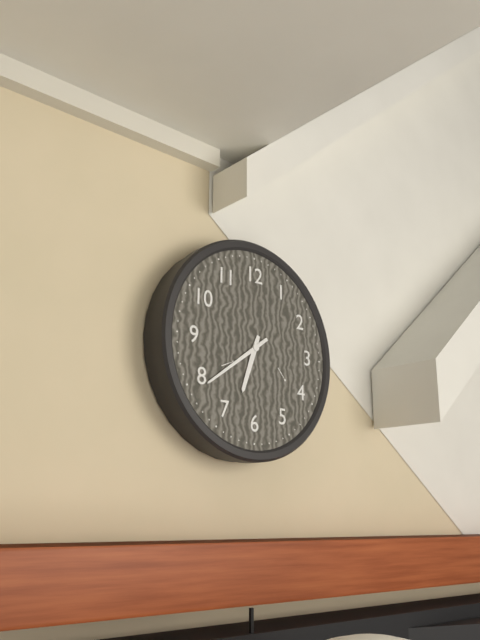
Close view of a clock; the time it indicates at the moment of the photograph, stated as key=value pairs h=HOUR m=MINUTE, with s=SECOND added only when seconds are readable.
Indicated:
h=6 m=39
